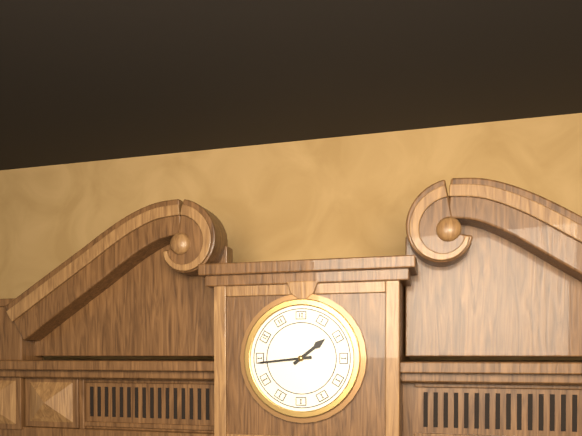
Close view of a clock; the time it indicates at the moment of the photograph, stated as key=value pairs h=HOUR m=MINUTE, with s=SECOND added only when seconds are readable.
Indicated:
h=1 m=44
